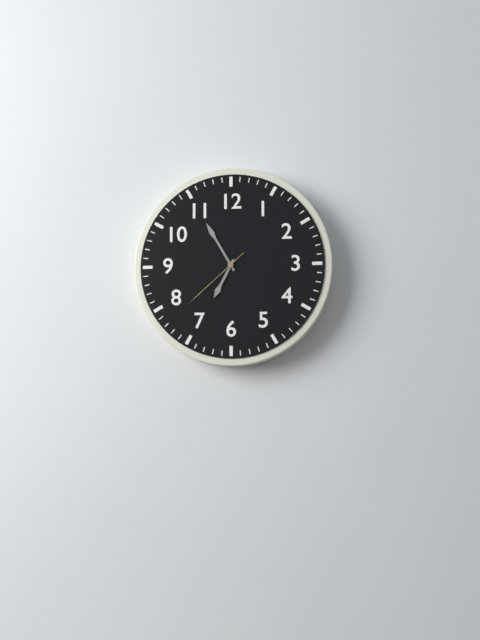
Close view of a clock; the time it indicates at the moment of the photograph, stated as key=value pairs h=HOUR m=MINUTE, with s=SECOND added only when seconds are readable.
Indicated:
h=6 m=55 s=38
